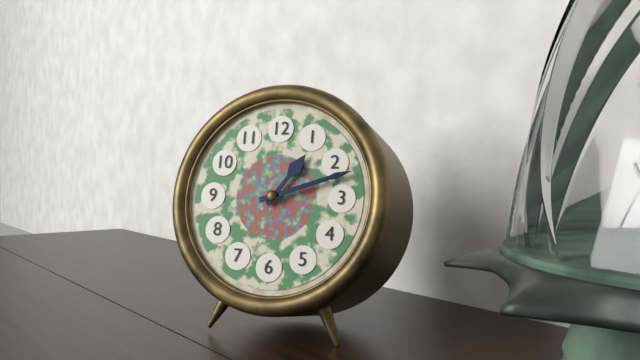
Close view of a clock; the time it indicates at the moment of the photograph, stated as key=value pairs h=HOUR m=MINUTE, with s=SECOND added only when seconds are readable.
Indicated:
h=1 m=12
